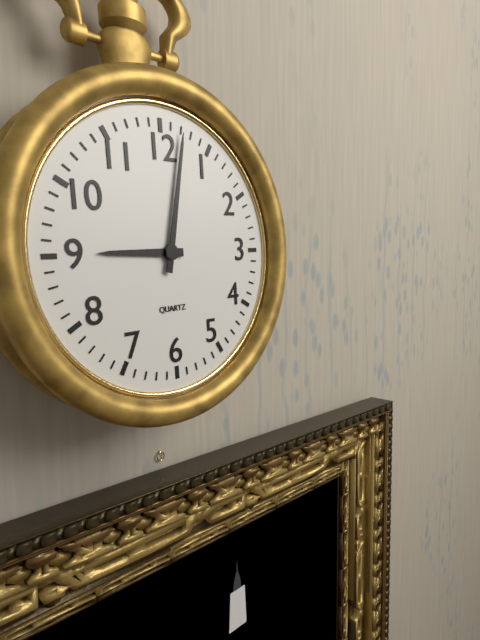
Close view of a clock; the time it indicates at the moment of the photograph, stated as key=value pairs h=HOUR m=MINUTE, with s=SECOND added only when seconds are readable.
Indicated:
h=9 m=2
